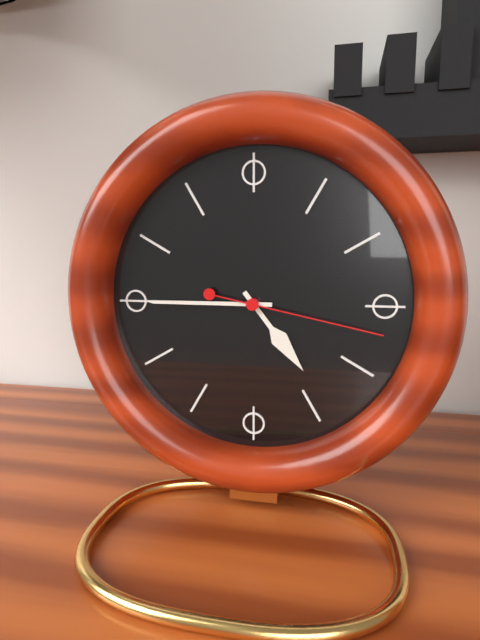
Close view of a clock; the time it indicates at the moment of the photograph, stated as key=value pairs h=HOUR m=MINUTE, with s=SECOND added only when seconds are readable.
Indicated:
h=4 m=45 s=17
